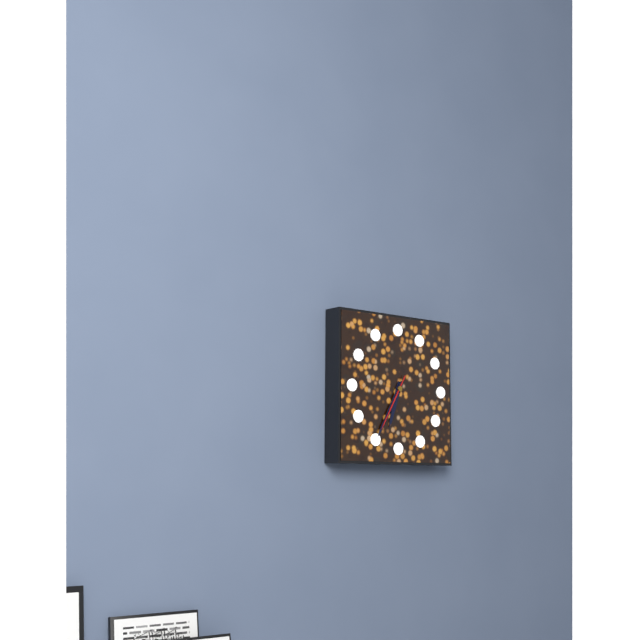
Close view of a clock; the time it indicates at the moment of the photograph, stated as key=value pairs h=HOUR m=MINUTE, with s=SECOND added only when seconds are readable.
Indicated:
h=6 m=35 s=35
